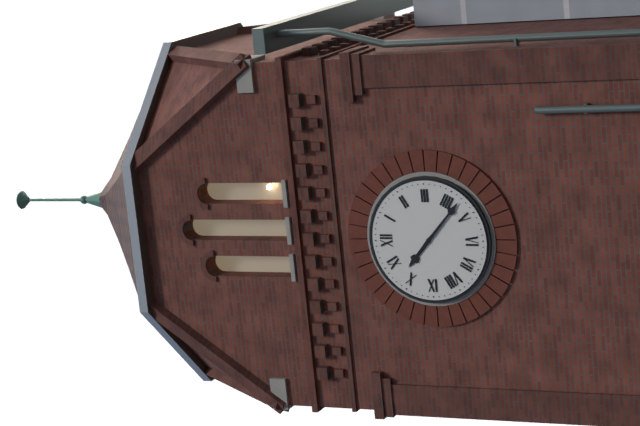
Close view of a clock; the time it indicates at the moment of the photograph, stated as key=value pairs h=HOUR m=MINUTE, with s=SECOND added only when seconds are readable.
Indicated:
h=10 m=22
